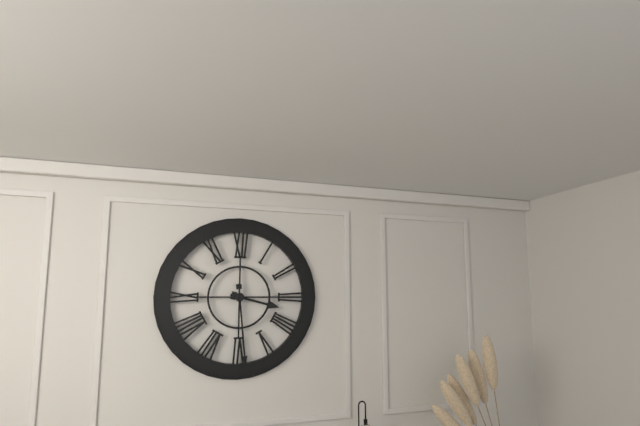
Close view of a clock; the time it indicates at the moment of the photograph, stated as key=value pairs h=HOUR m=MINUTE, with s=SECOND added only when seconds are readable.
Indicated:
h=3 m=29
